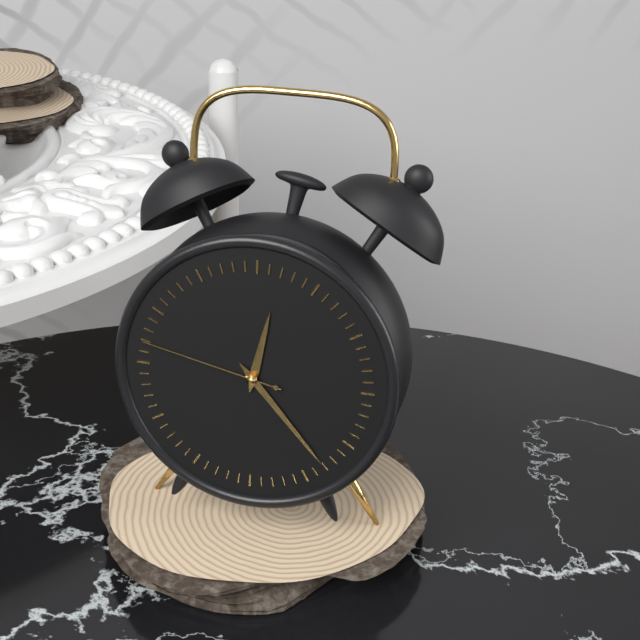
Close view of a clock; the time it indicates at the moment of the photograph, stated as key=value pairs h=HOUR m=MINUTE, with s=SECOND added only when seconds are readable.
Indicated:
h=12 m=23 s=47
